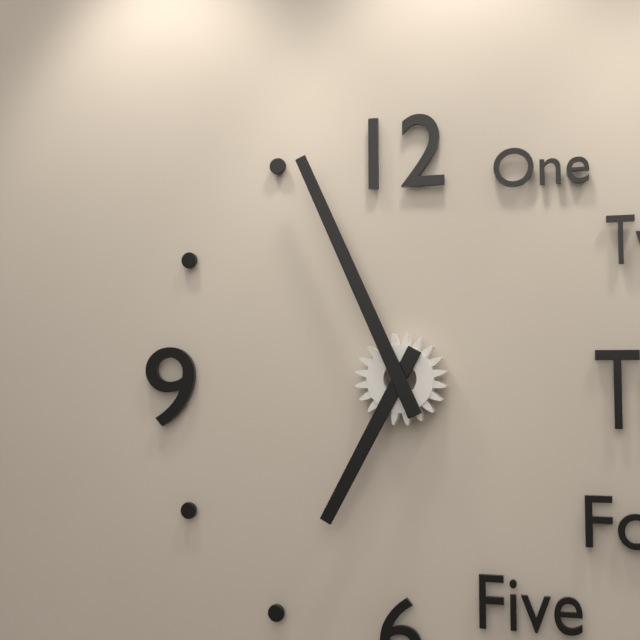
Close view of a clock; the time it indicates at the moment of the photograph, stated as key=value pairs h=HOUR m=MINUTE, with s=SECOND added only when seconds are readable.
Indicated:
h=6 m=56
